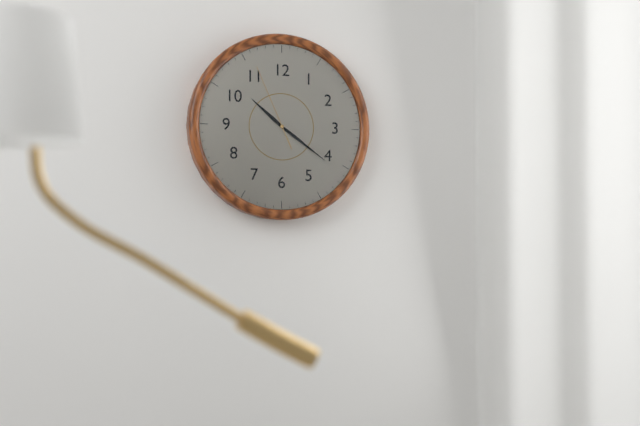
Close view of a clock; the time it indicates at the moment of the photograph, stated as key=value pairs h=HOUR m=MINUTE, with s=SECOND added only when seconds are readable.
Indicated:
h=10 m=21 s=56
